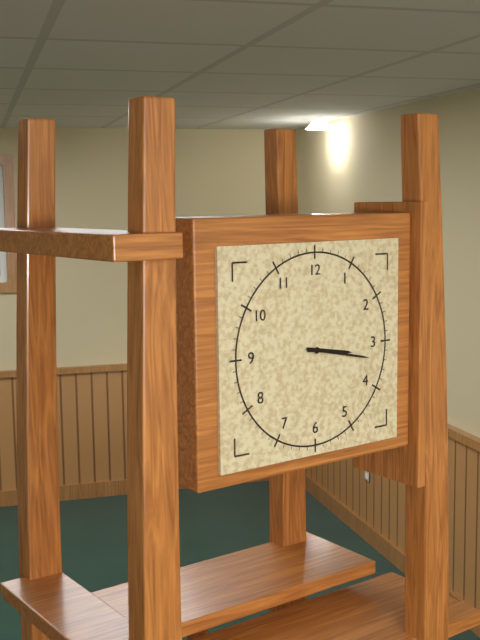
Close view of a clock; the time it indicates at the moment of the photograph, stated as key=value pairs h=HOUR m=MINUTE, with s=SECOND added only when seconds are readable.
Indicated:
h=3 m=17
